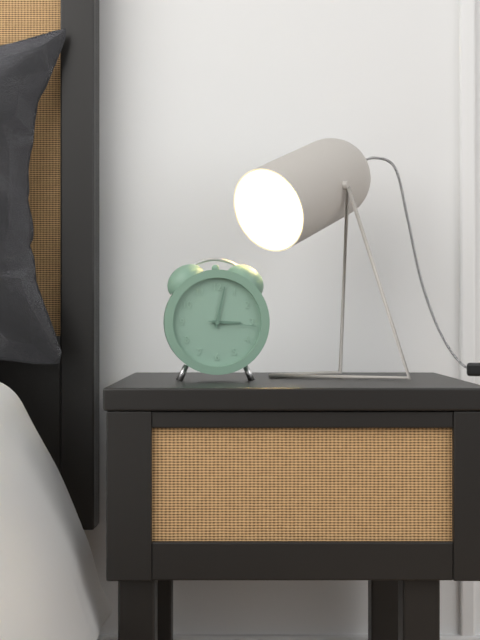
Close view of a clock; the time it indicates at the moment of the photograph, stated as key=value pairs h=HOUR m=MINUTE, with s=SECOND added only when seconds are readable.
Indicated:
h=3 m=2
